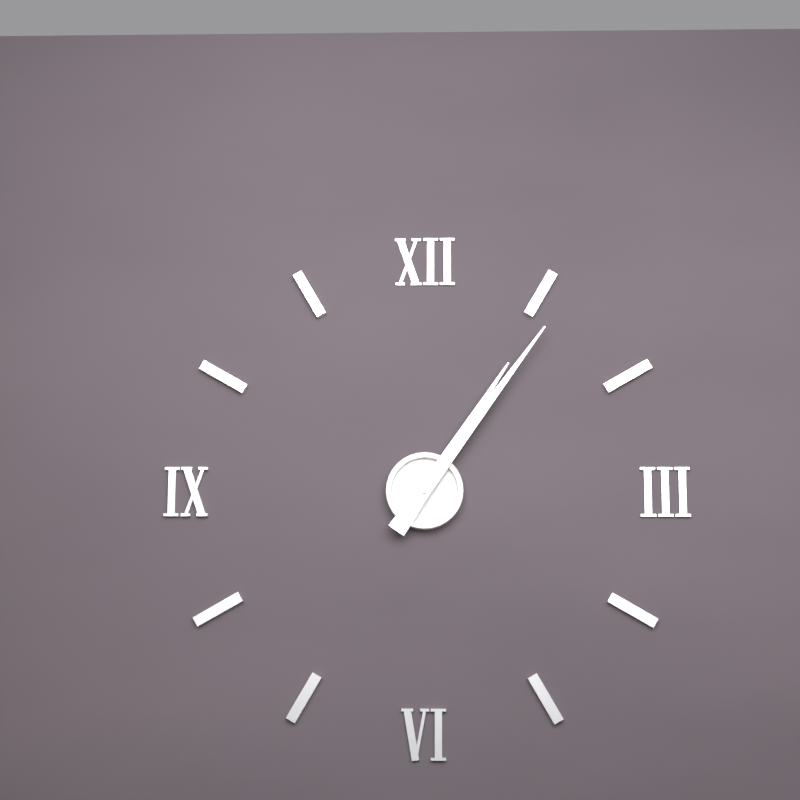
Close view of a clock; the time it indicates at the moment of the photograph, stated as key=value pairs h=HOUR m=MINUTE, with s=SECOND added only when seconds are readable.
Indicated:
h=1 m=6
